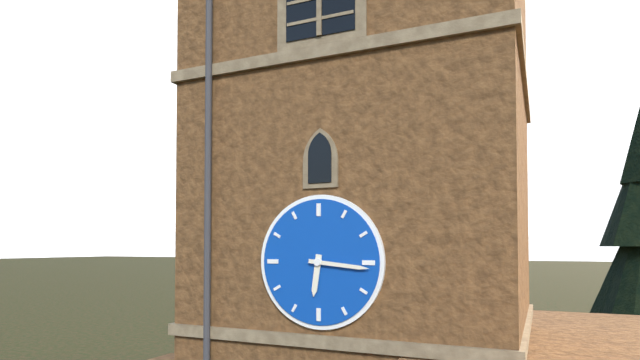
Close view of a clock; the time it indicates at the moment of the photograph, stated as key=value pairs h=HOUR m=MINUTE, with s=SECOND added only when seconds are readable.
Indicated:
h=6 m=16
